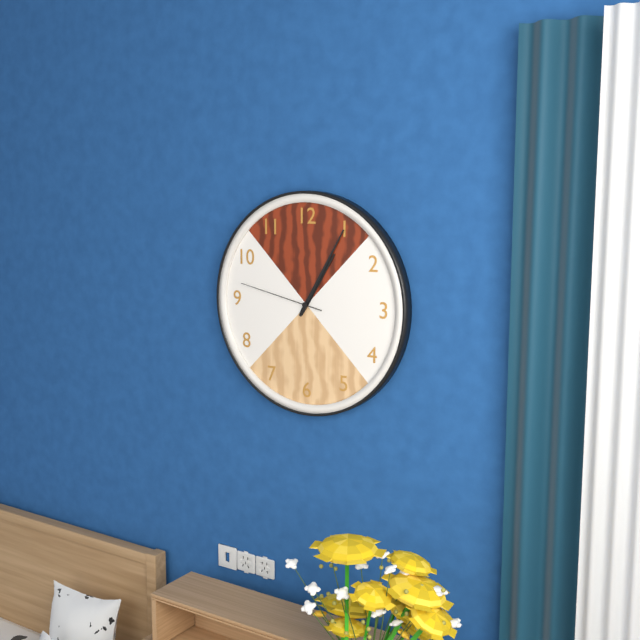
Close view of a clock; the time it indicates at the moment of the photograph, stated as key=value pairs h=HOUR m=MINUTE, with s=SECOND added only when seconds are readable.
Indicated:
h=1 m=5 s=47
